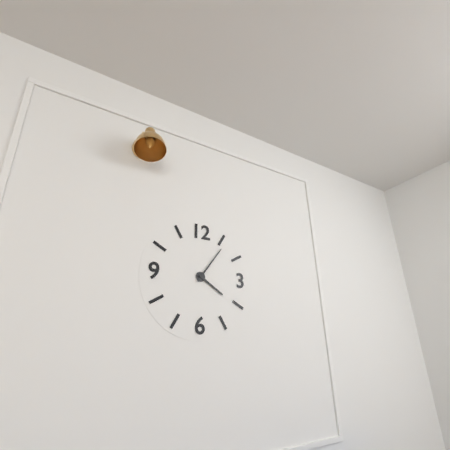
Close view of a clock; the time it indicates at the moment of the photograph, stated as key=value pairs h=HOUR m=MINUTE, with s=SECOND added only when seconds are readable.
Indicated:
h=4 m=6
